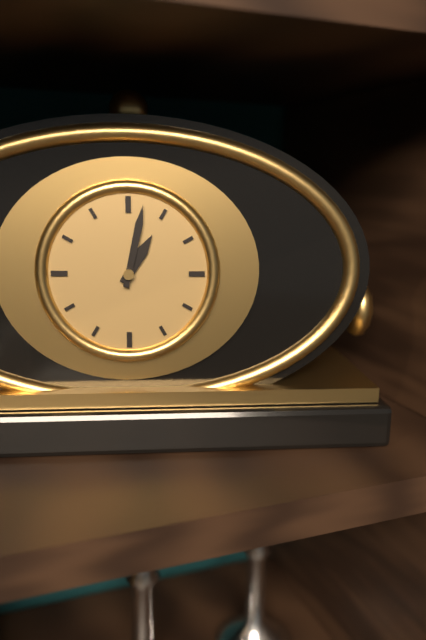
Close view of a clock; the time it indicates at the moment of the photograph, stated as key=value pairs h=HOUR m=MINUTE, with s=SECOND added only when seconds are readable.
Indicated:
h=1 m=2
